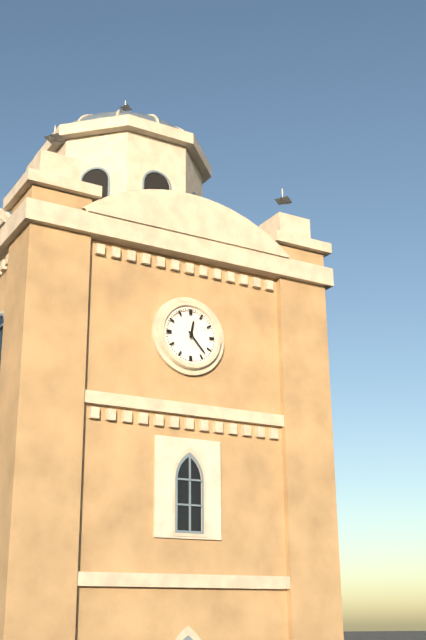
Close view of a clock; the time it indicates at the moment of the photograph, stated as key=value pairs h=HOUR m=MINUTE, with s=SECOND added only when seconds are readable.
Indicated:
h=12 m=23
